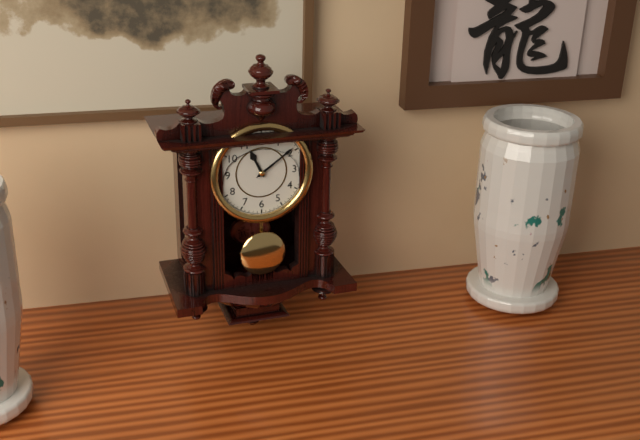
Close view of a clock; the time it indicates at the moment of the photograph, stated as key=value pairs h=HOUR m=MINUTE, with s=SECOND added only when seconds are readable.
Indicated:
h=11 m=9
